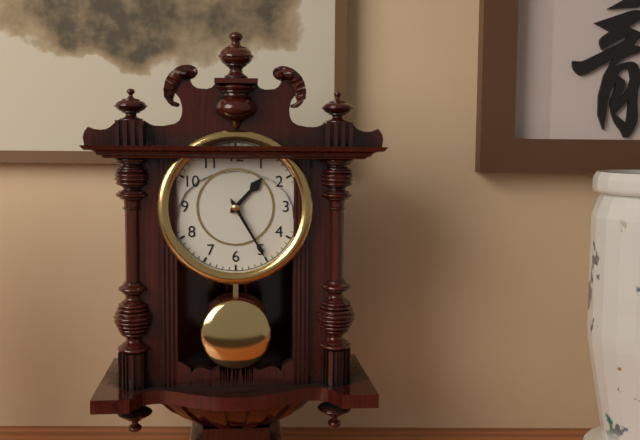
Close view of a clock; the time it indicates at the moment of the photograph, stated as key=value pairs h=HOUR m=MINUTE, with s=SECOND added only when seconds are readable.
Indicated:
h=1 m=25
